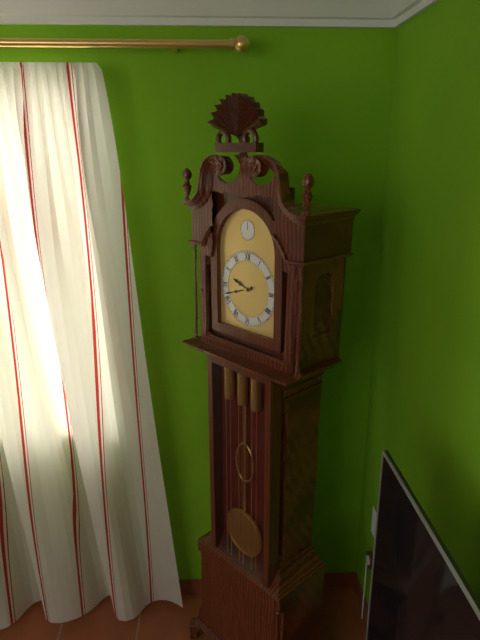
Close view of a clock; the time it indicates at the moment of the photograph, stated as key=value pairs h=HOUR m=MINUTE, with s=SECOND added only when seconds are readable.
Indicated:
h=9 m=42
